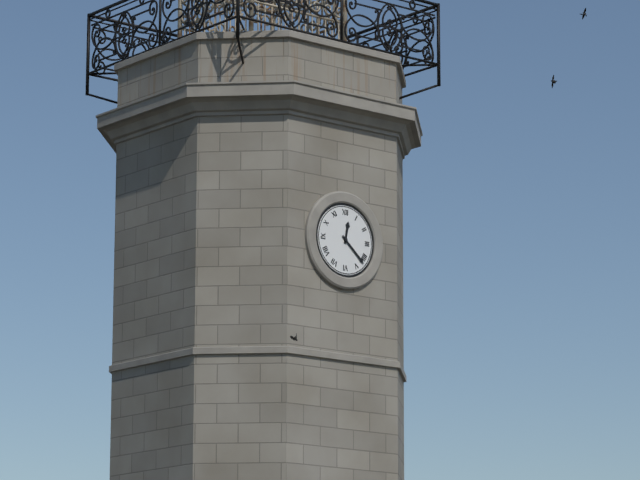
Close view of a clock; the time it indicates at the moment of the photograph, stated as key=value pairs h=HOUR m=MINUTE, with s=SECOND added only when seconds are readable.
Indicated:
h=12 m=22
